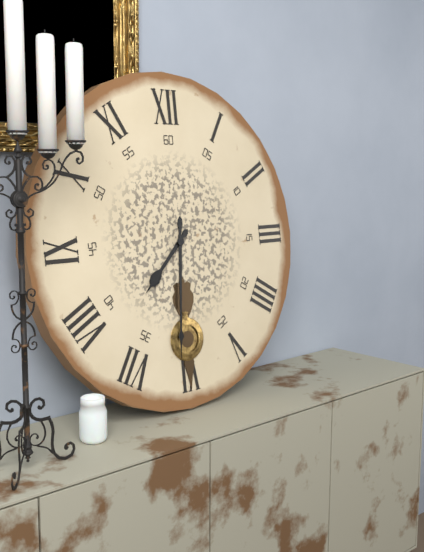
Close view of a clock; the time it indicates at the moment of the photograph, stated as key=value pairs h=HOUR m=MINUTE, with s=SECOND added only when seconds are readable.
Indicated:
h=7 m=31
